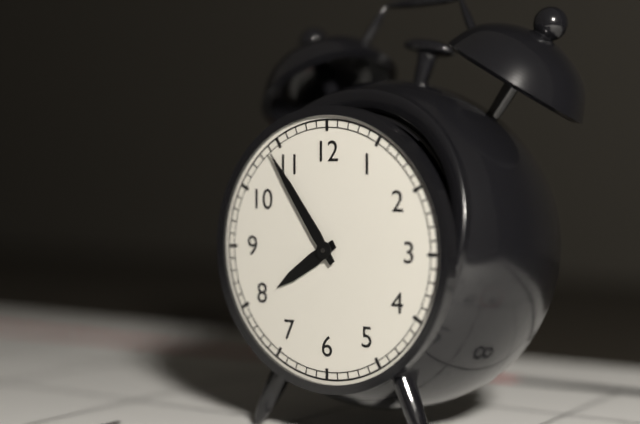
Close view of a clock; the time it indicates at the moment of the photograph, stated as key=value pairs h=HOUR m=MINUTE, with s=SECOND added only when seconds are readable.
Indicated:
h=7 m=54
